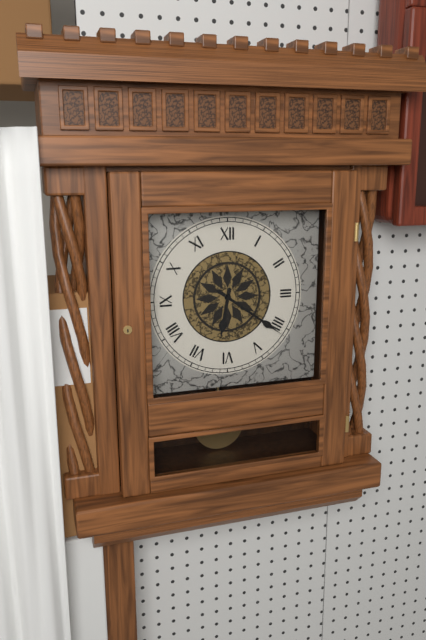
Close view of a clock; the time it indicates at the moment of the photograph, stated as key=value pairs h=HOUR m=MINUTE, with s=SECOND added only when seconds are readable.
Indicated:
h=6 m=21
